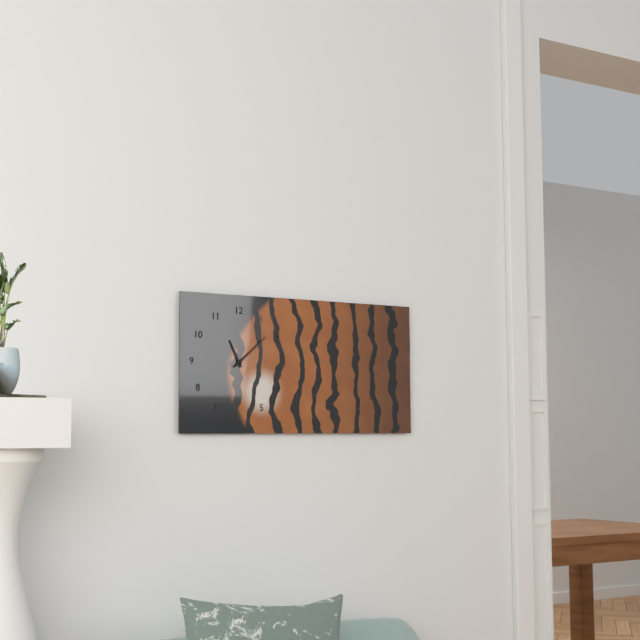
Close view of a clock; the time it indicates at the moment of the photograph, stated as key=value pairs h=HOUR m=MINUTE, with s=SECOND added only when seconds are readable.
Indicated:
h=11 m=8
